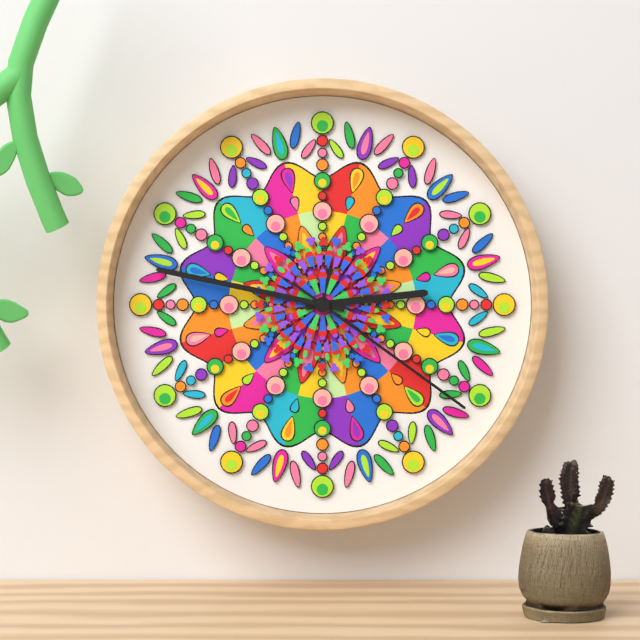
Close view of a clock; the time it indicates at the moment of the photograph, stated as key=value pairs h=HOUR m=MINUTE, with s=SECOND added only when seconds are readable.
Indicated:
h=2 m=47 s=21
